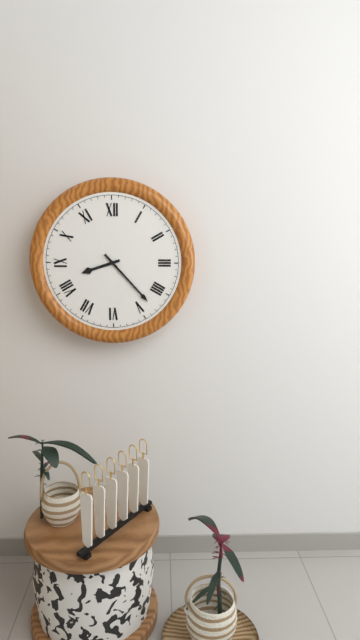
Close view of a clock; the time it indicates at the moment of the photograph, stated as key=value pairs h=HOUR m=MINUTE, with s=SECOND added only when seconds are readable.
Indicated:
h=8 m=23
